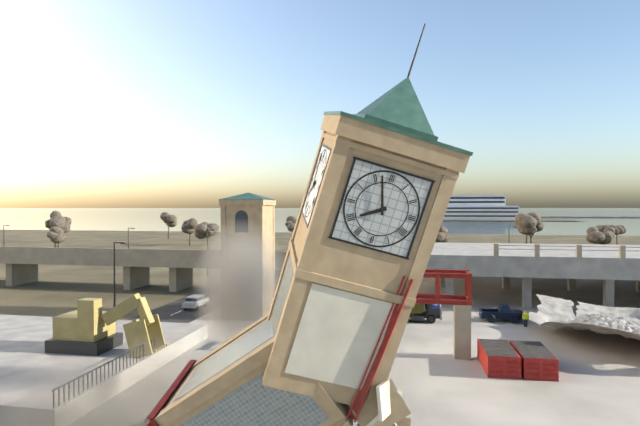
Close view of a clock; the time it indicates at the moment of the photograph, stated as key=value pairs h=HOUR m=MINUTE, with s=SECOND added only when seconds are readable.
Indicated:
h=7 m=57
